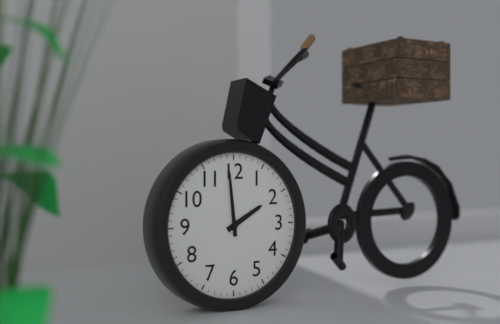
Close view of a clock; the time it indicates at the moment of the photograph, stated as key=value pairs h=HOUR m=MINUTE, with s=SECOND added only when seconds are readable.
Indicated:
h=1 m=59
